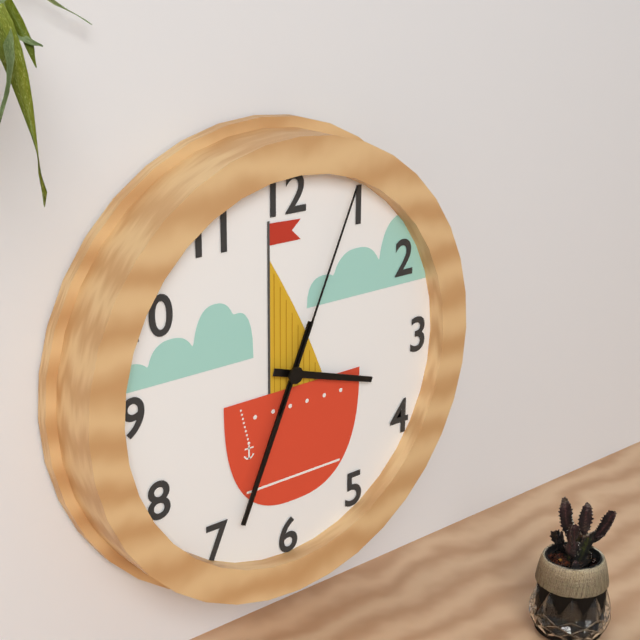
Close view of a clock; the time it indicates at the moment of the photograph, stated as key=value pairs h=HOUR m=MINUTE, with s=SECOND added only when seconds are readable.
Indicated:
h=3 m=34 s=4
